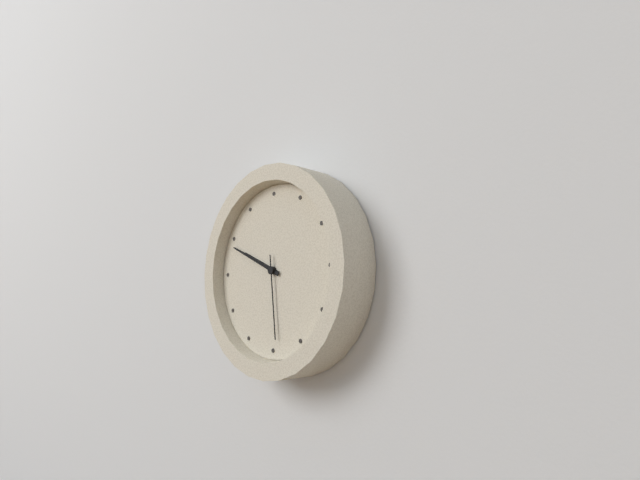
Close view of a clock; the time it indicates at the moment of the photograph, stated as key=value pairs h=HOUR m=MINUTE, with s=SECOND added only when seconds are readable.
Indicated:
h=9 m=49 s=29
